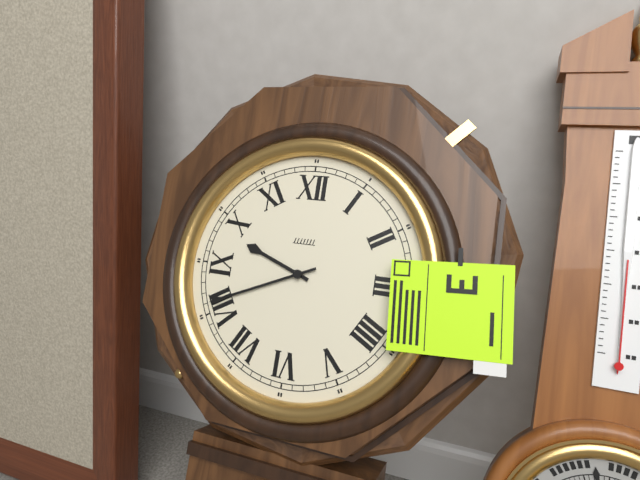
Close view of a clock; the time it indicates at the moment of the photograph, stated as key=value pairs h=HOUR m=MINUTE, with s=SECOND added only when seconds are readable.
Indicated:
h=9 m=41
